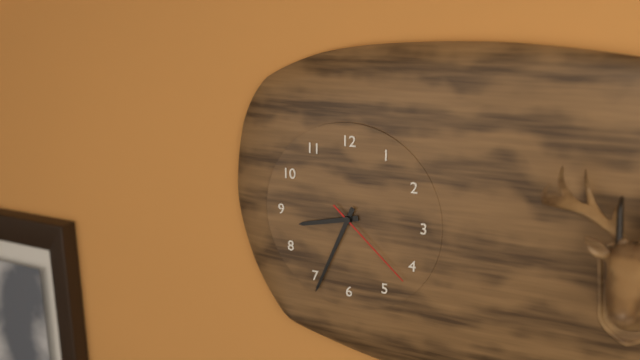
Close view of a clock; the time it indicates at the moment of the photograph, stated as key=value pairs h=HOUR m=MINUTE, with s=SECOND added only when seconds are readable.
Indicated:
h=8 m=34 s=22
